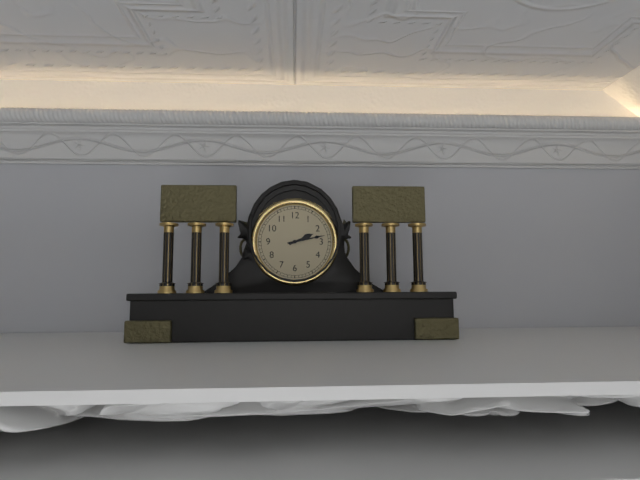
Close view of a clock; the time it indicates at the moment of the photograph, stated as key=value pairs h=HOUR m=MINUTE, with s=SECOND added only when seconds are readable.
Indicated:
h=2 m=13
